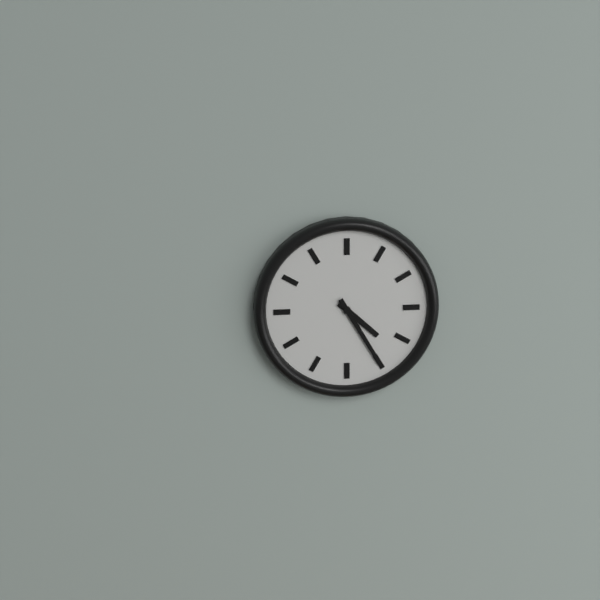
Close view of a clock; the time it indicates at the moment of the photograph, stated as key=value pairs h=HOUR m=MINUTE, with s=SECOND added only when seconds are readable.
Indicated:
h=4 m=25
